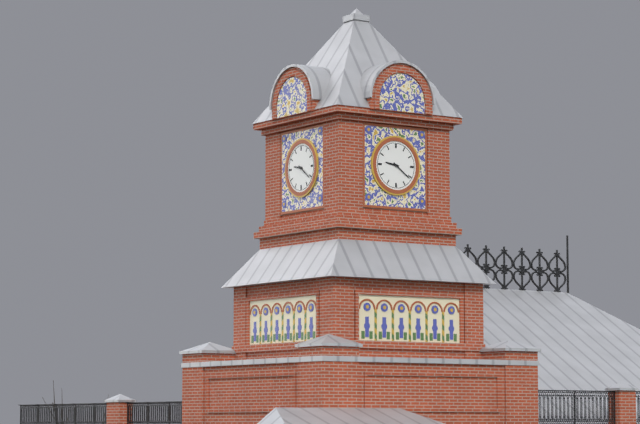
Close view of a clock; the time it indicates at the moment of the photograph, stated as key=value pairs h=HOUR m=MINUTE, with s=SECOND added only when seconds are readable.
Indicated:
h=9 m=21
